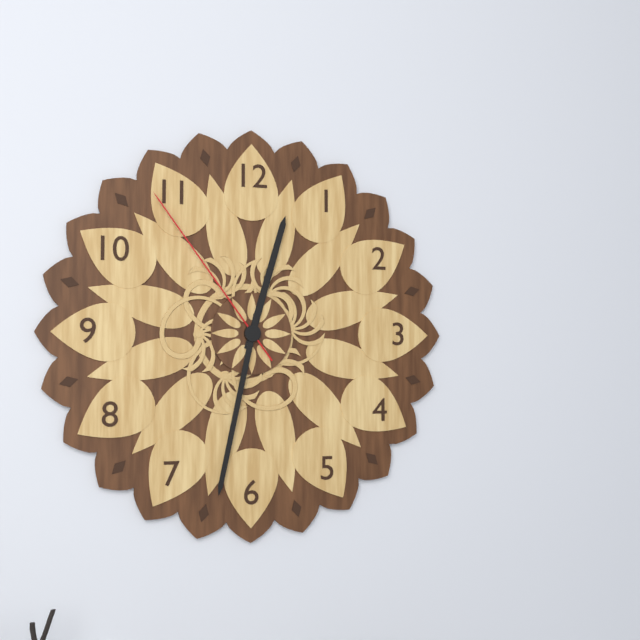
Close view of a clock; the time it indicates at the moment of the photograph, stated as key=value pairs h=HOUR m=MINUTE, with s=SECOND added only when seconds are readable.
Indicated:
h=12 m=32 s=54
